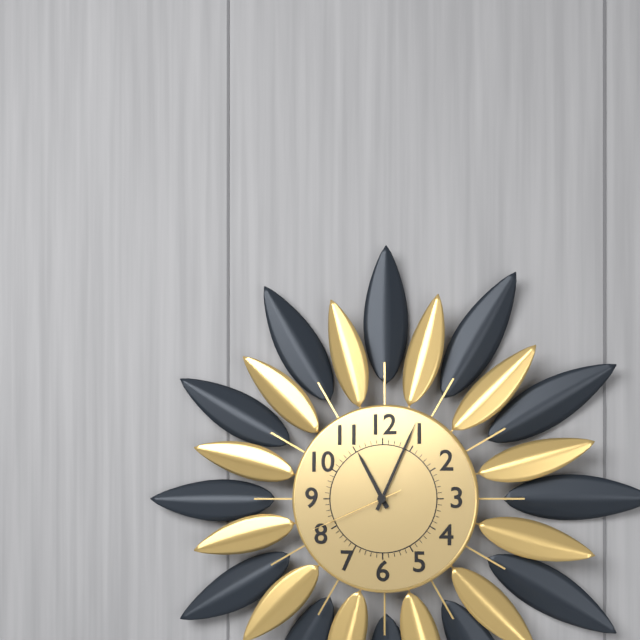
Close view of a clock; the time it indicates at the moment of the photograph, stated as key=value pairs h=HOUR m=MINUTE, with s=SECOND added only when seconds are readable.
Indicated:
h=11 m=4 s=41
